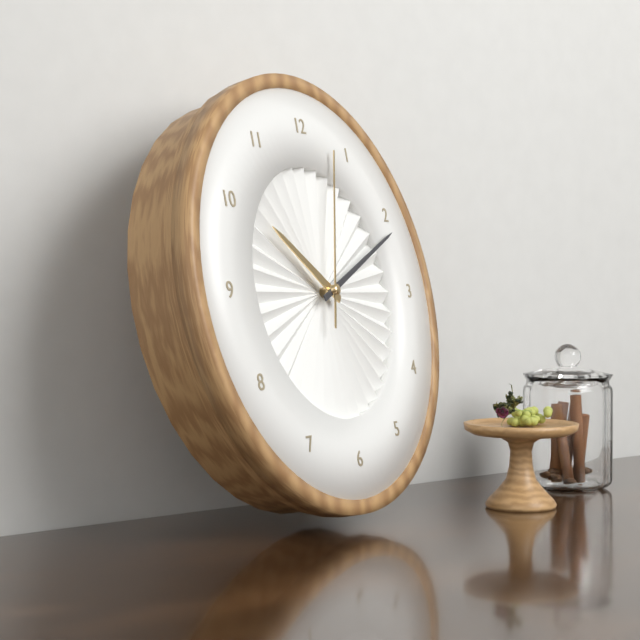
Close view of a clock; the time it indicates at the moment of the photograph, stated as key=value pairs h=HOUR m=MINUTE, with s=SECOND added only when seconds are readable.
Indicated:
h=10 m=11 s=3
